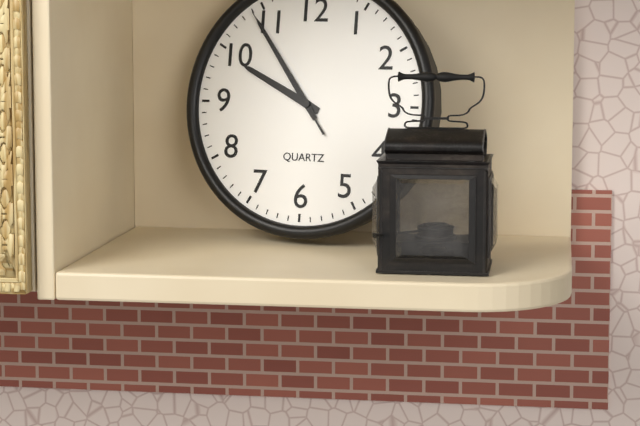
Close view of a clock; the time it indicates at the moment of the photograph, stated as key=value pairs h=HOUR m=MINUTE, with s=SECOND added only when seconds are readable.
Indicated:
h=9 m=54 s=54
